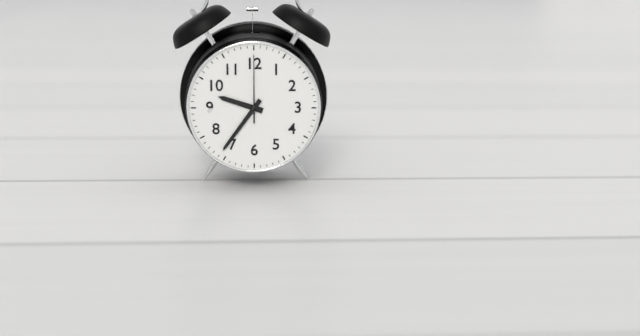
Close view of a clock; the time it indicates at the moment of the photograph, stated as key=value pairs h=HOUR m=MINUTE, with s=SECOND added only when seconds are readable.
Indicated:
h=9 m=36 s=0
